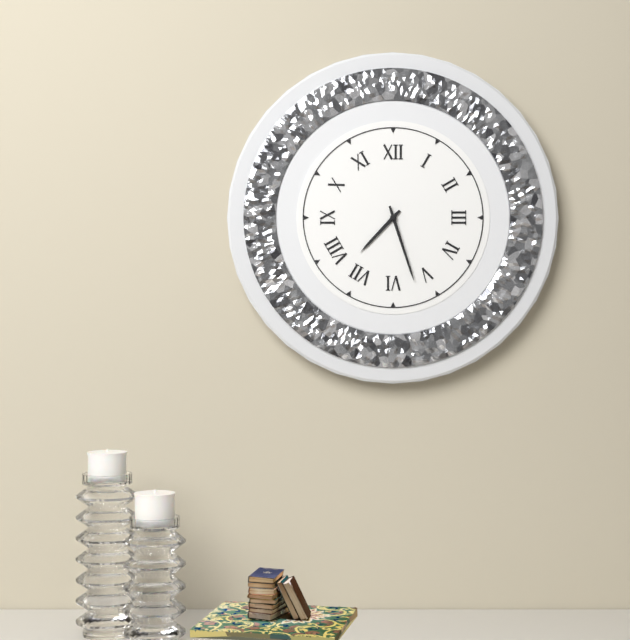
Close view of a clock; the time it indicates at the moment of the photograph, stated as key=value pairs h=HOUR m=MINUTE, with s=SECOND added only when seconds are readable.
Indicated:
h=7 m=27
